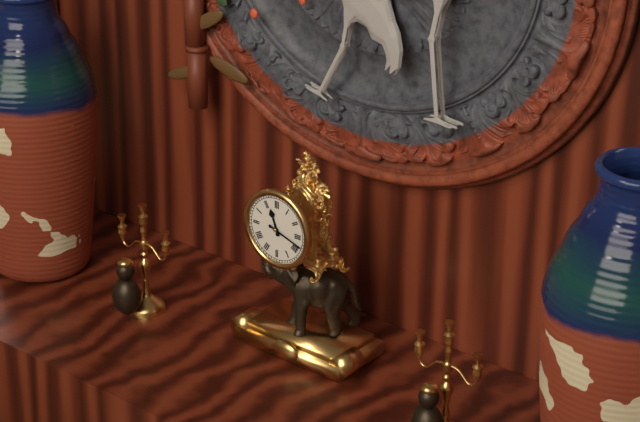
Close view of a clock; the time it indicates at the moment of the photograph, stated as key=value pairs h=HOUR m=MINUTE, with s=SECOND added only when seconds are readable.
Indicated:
h=11 m=18
